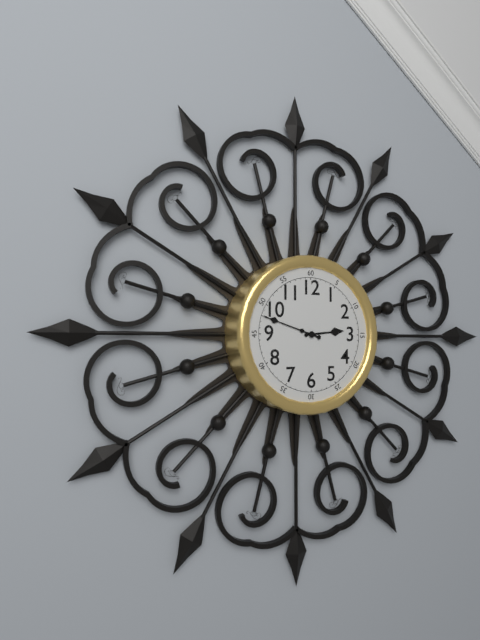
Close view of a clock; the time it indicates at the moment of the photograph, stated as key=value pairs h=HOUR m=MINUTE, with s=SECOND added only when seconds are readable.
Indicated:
h=2 m=48
